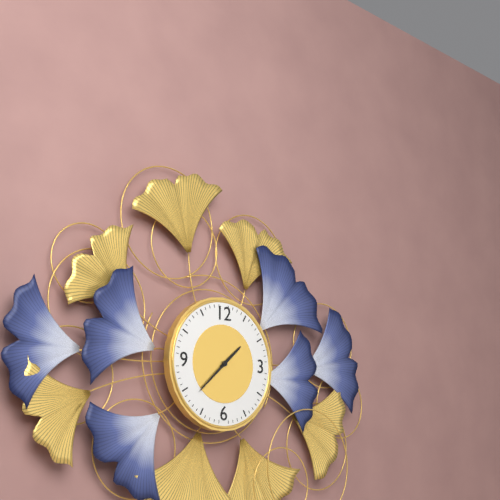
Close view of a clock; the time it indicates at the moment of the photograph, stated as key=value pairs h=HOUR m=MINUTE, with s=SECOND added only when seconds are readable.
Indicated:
h=1 m=38
